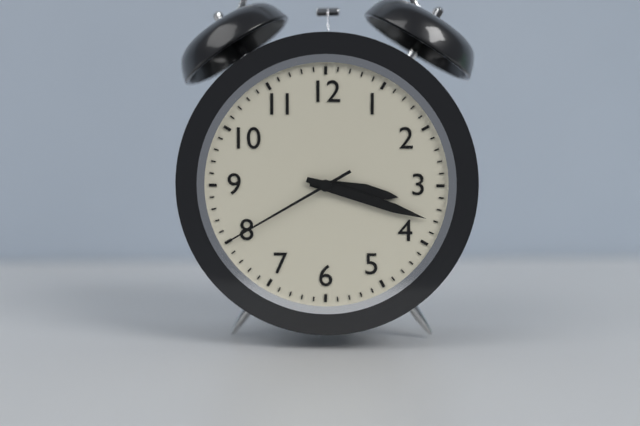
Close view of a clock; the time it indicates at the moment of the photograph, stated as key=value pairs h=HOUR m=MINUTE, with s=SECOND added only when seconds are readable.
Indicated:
h=3 m=18 s=40
